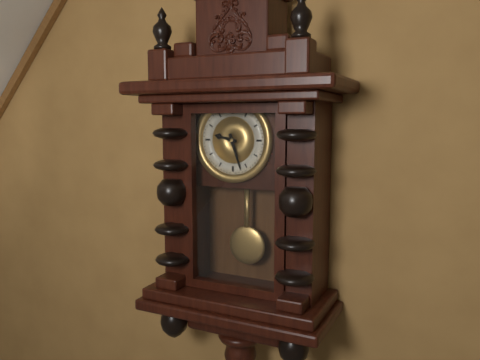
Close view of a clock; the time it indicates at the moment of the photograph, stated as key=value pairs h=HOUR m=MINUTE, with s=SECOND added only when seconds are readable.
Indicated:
h=9 m=27
